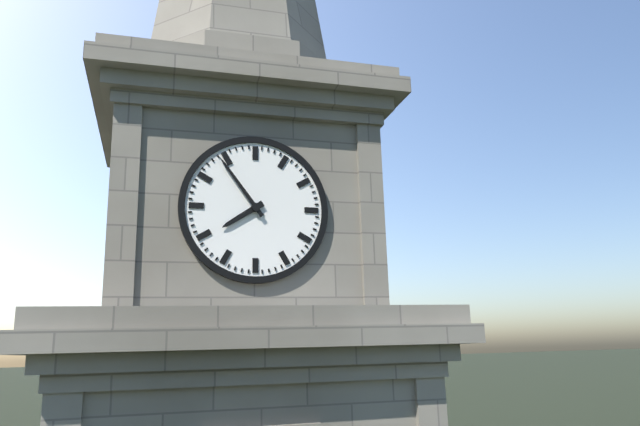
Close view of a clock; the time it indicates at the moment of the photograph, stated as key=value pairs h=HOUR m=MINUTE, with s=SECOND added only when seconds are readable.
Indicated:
h=7 m=54
